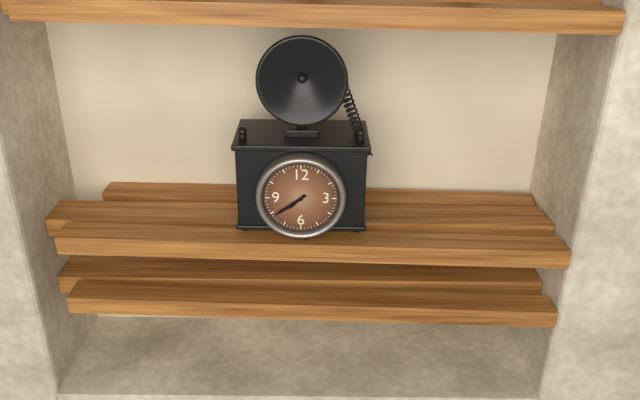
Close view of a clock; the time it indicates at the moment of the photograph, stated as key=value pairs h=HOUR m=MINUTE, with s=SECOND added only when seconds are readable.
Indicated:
h=7 m=39
